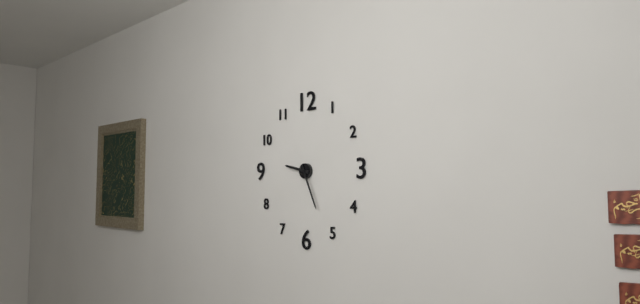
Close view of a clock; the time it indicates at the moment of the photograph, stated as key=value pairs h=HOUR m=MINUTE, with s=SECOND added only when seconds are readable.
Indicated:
h=9 m=26
